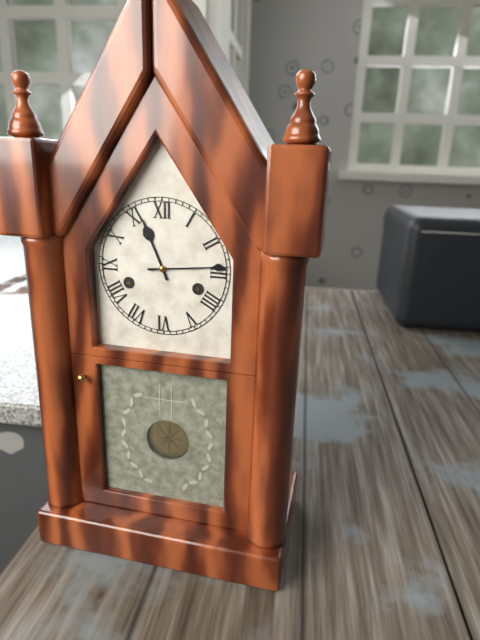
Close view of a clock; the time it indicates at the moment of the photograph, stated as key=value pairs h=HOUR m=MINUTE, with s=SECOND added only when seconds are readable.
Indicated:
h=11 m=14
